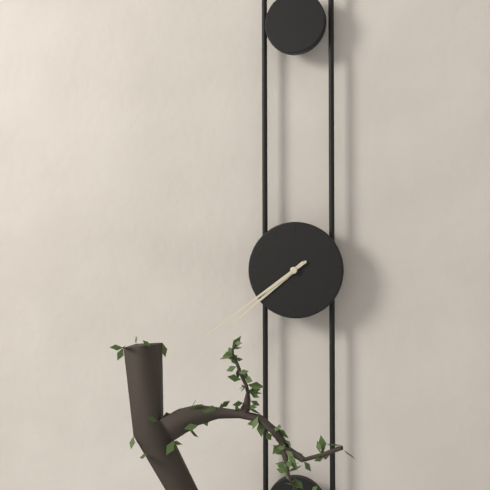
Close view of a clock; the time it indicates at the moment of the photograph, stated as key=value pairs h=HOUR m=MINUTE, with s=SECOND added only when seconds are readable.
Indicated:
h=7 m=39
